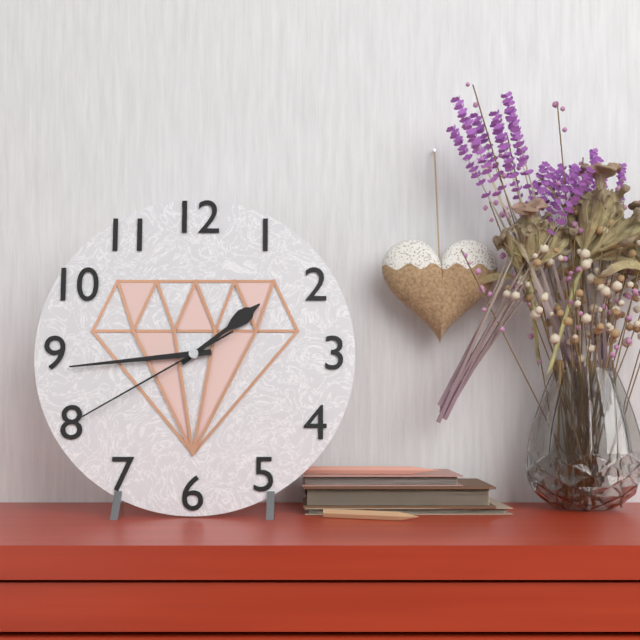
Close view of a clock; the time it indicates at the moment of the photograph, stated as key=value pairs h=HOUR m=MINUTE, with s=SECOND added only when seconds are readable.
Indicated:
h=1 m=44 s=40
